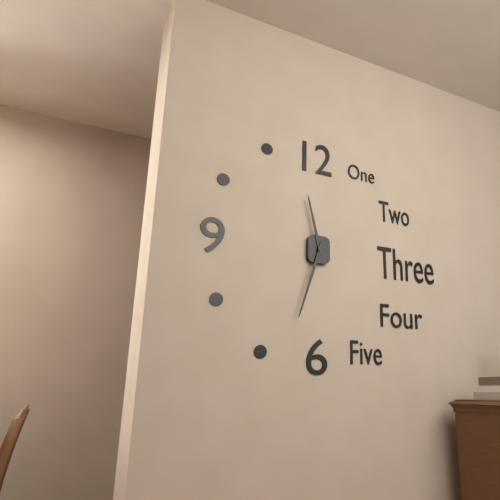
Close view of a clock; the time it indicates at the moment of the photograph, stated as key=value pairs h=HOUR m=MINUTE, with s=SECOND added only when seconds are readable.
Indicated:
h=11 m=33
